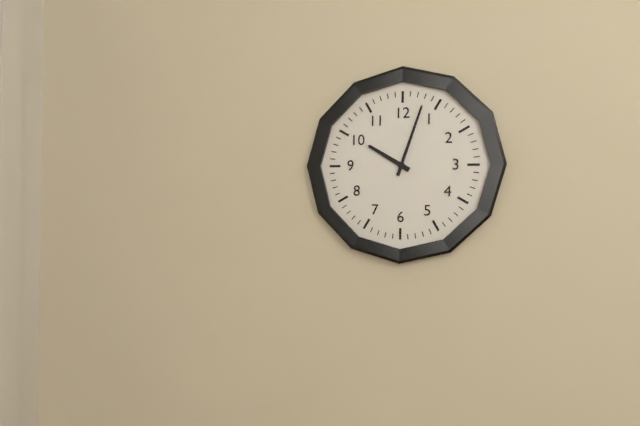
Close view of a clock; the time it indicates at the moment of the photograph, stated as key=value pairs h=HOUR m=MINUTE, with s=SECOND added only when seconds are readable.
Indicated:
h=10 m=3
